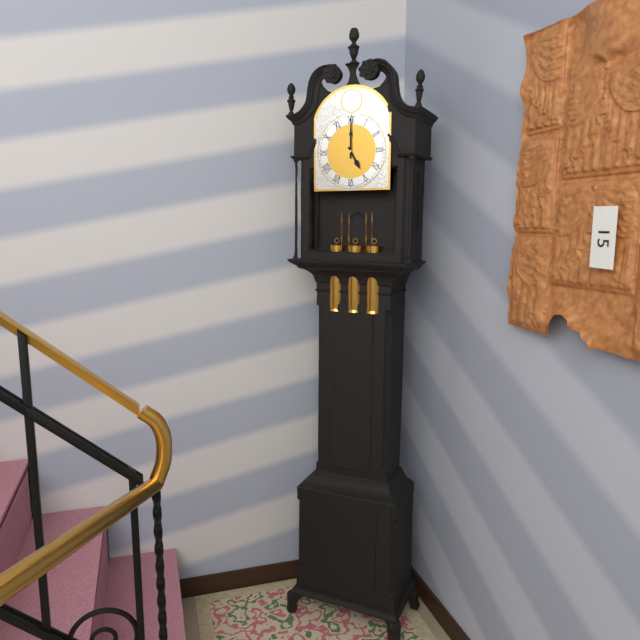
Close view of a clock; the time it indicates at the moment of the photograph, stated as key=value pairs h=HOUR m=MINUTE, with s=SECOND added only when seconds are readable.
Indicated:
h=5 m=0
